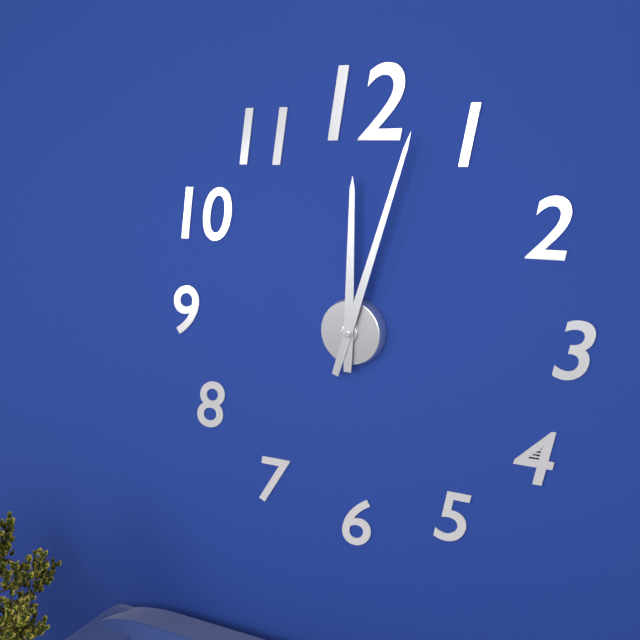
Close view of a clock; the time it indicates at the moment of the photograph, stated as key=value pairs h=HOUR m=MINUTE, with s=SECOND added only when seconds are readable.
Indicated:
h=12 m=3
